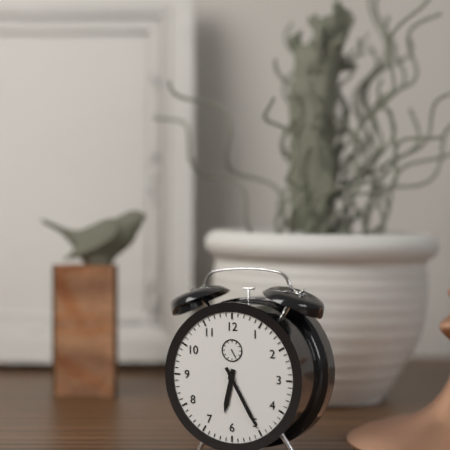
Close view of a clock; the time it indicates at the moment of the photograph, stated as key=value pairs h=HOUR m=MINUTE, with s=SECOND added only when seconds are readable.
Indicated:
h=6 m=25
